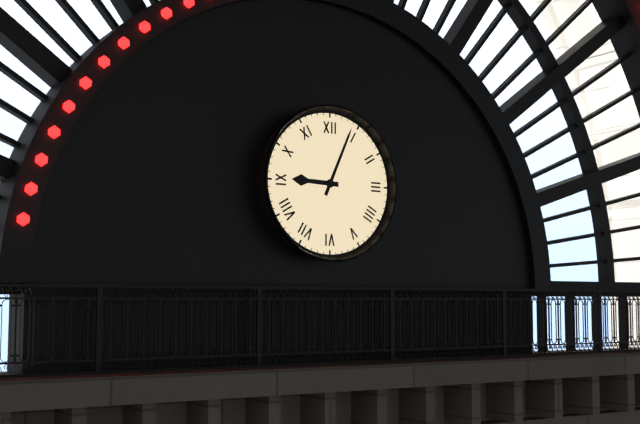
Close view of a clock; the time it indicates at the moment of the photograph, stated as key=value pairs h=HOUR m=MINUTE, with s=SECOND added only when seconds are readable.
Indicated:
h=9 m=4
